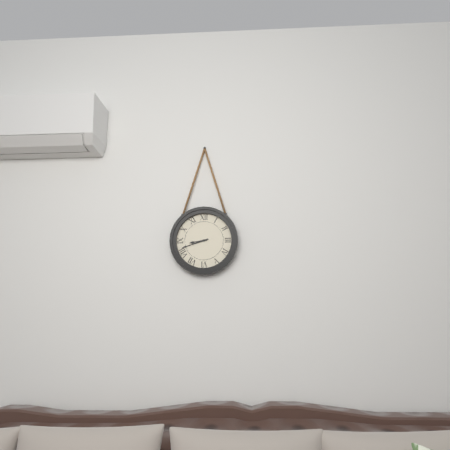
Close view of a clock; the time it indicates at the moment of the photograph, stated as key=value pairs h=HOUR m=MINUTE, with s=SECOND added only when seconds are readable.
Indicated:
h=8 m=42
